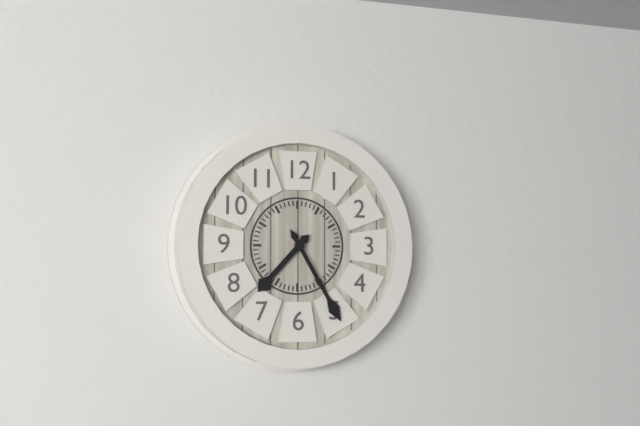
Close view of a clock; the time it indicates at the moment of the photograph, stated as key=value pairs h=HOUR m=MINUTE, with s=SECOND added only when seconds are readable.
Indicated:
h=7 m=25
